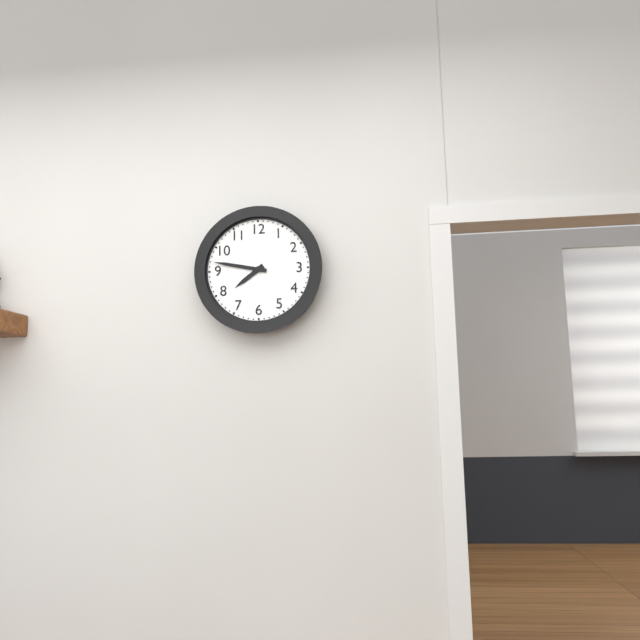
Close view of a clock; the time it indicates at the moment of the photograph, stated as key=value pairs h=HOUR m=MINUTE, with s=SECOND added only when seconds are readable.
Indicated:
h=7 m=47
